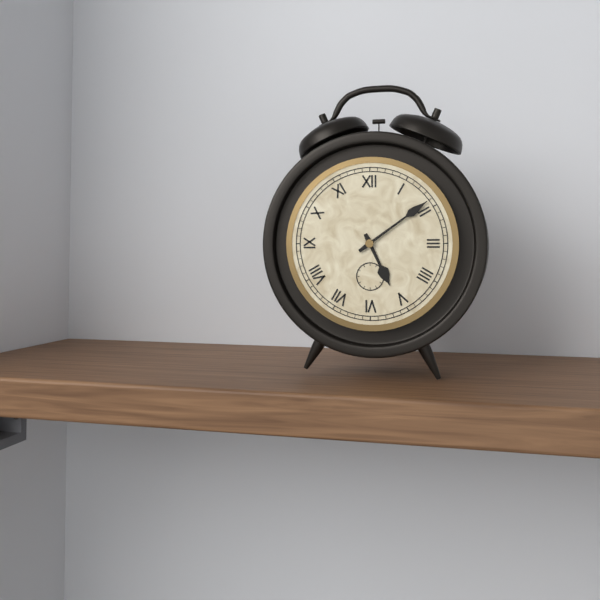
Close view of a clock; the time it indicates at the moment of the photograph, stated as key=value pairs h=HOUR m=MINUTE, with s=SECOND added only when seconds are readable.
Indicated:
h=5 m=9
